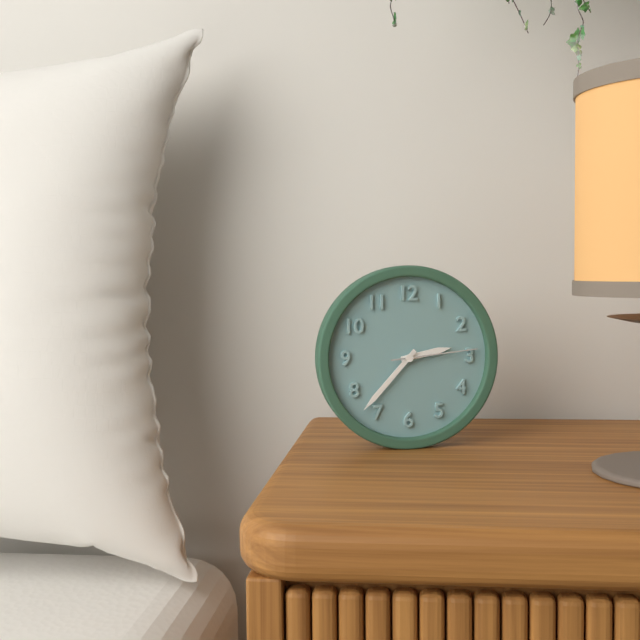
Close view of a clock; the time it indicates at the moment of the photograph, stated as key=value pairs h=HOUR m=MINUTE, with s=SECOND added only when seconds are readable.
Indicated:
h=2 m=37 s=14
